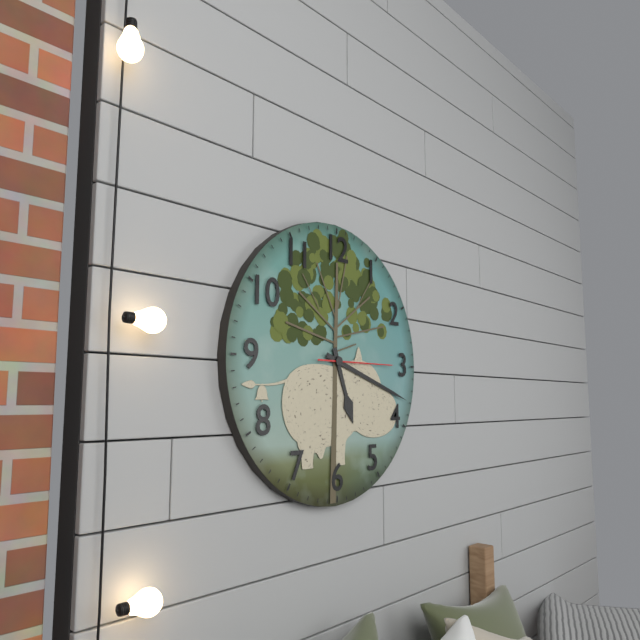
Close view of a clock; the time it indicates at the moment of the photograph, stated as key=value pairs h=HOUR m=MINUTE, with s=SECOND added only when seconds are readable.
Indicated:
h=5 m=18 s=15
